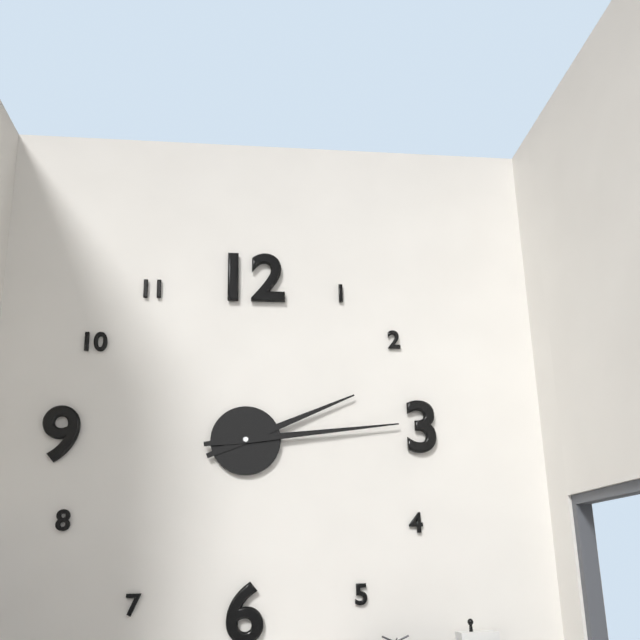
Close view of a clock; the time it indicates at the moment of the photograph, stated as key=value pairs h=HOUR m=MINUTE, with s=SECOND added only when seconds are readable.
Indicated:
h=2 m=14
